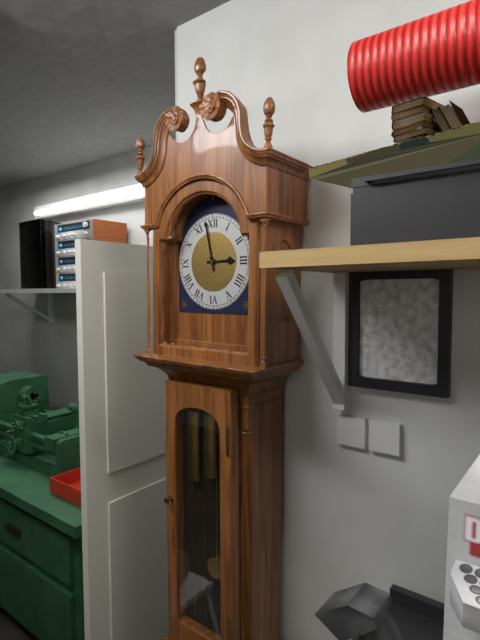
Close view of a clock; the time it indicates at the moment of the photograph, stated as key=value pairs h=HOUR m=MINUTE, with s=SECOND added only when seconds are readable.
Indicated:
h=2 m=58
